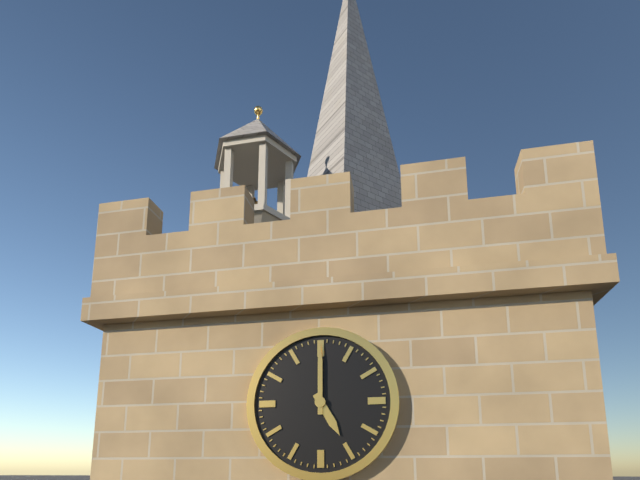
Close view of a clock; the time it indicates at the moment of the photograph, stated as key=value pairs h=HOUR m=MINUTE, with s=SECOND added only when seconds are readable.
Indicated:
h=5 m=0
